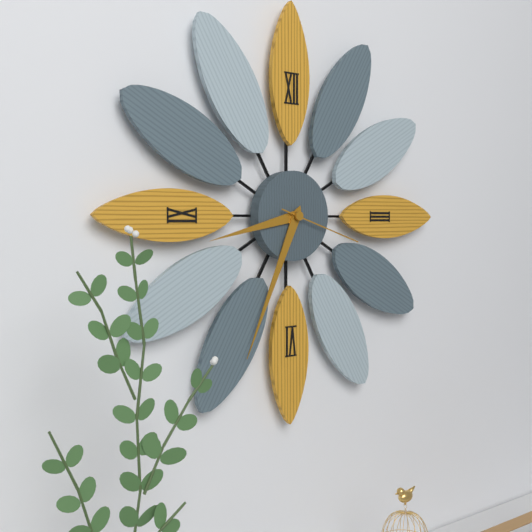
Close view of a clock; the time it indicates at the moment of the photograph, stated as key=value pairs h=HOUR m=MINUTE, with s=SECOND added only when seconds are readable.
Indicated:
h=8 m=34 s=18
